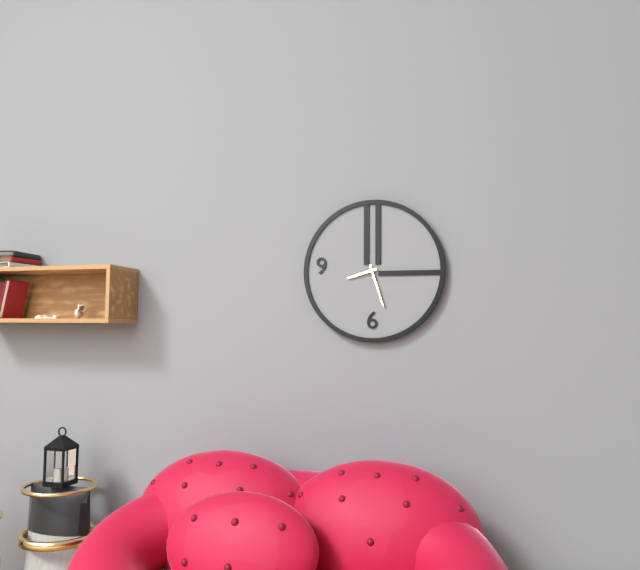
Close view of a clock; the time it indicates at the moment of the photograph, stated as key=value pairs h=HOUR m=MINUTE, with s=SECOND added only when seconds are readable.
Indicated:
h=8 m=27
